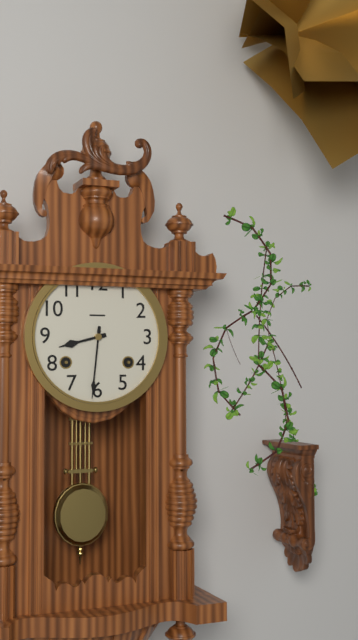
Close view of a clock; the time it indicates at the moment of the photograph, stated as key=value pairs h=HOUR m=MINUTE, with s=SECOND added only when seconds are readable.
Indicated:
h=8 m=31
